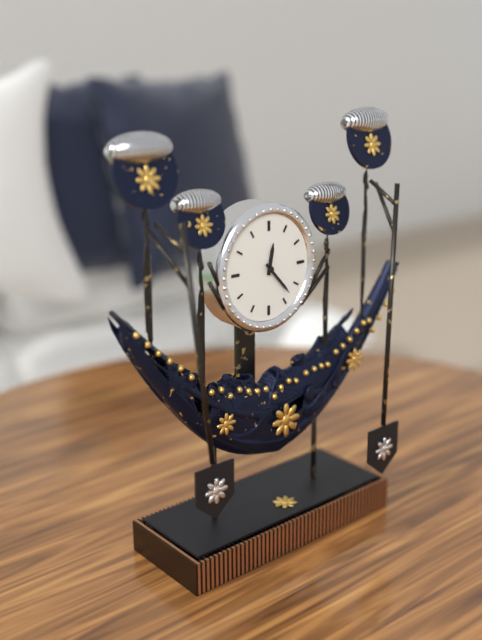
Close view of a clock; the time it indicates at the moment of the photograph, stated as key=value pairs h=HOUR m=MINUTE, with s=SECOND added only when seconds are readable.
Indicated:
h=12 m=23
